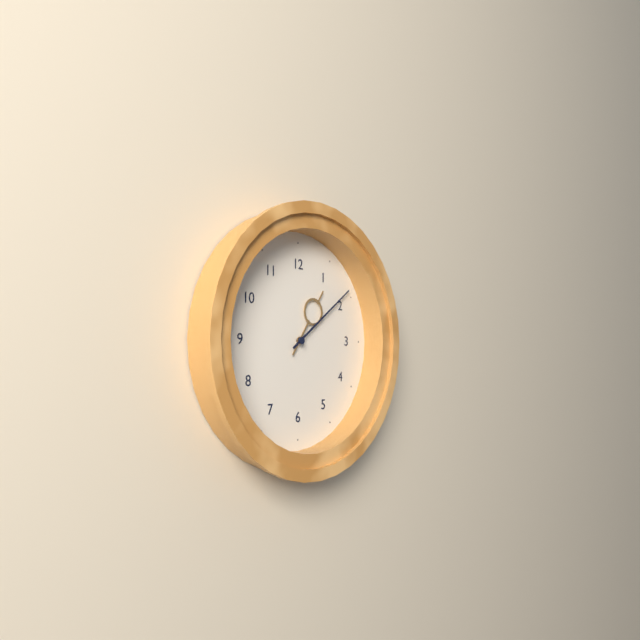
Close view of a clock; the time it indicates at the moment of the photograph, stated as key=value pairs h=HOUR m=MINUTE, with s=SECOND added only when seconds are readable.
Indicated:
h=1 m=9
